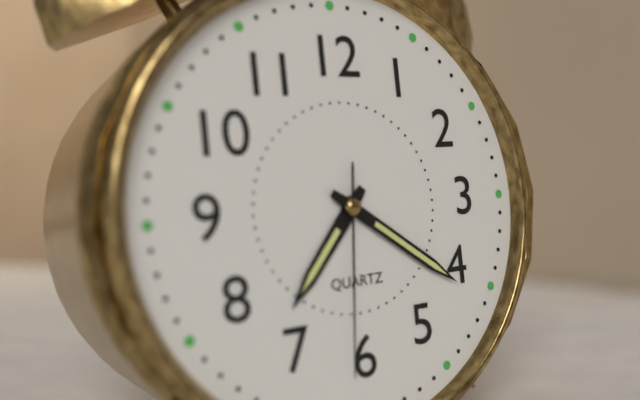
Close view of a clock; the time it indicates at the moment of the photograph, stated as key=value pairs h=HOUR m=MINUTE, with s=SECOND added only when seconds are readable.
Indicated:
h=7 m=21 s=31
